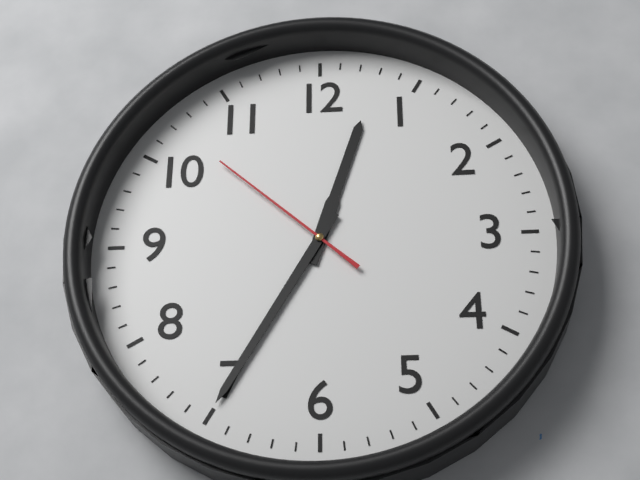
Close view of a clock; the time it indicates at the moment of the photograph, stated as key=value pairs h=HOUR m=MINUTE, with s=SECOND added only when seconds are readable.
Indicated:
h=12 m=35 s=52
